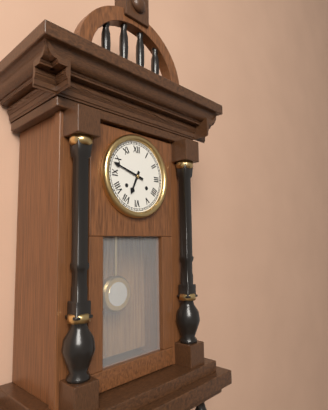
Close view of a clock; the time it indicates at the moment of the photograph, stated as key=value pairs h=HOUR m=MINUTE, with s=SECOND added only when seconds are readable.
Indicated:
h=6 m=48
